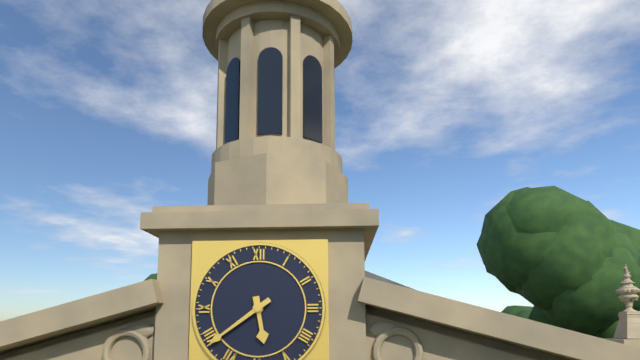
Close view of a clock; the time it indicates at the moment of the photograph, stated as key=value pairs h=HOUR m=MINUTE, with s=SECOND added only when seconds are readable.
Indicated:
h=5 m=39
